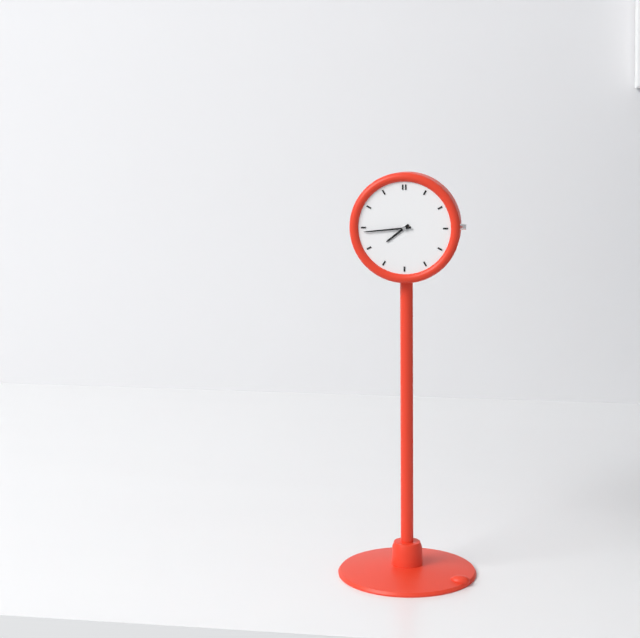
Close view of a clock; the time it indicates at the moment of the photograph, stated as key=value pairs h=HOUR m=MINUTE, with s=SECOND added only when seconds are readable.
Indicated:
h=7 m=44
